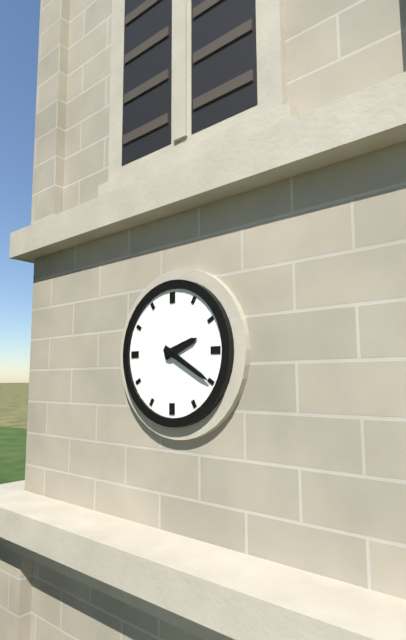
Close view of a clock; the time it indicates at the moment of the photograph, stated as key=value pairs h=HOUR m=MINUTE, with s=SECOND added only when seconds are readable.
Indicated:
h=2 m=20
